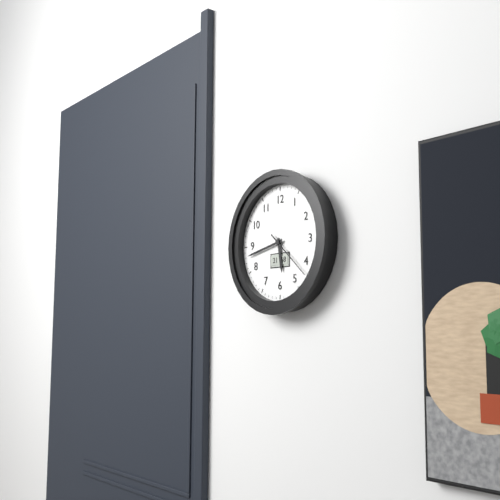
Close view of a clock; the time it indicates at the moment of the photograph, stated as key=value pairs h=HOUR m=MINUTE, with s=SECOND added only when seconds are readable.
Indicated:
h=5 m=43 s=22
